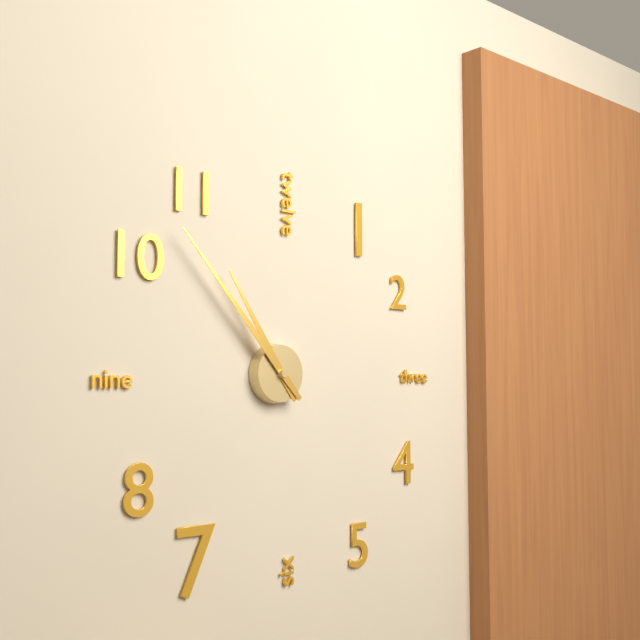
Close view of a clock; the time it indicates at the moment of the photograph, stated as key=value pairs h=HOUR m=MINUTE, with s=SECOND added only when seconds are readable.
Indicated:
h=10 m=53
